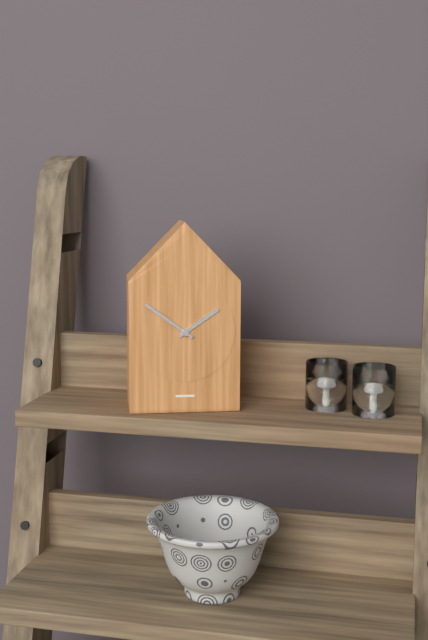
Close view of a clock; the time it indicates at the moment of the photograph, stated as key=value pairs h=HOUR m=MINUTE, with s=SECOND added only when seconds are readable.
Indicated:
h=1 m=51
